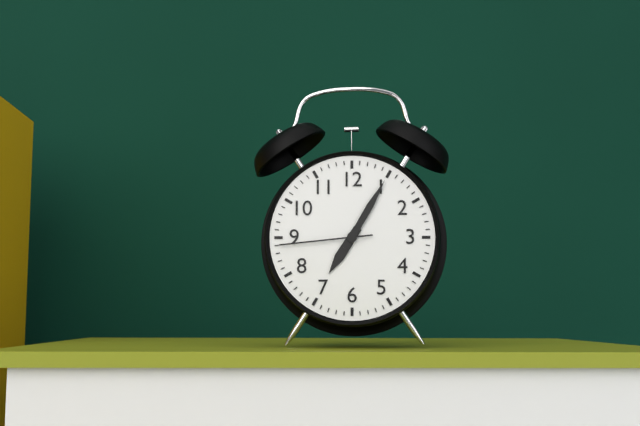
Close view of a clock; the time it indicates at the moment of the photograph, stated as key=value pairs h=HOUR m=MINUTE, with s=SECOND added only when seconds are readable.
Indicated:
h=7 m=5 s=44
